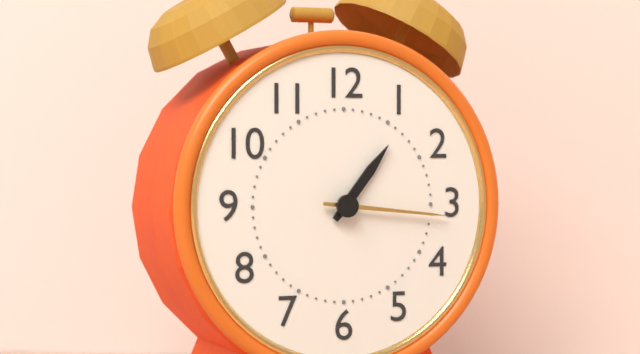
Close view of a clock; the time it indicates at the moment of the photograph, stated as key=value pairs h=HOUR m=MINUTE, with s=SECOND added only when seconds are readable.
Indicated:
h=1 m=16
